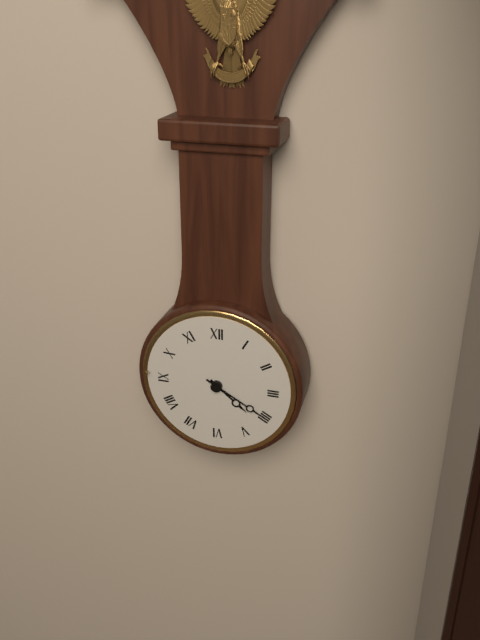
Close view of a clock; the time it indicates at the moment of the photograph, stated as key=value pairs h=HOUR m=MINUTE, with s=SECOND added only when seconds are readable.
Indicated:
h=4 m=20
